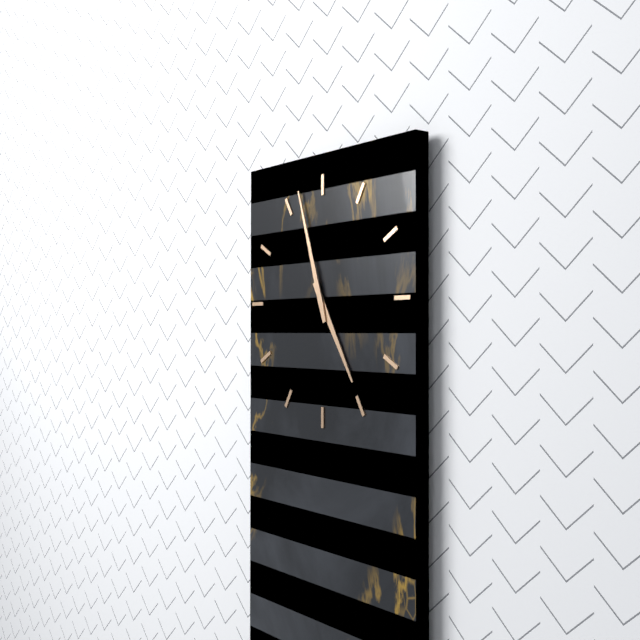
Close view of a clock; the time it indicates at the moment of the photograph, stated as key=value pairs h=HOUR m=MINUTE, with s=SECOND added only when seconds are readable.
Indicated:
h=4 m=57
